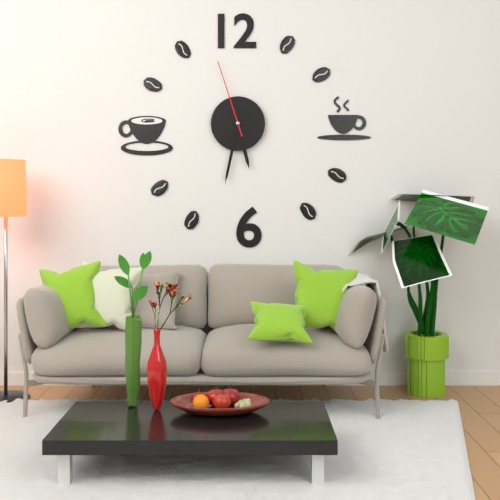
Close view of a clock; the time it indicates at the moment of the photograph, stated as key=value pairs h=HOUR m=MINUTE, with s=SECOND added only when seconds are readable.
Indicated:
h=5 m=32 s=57
